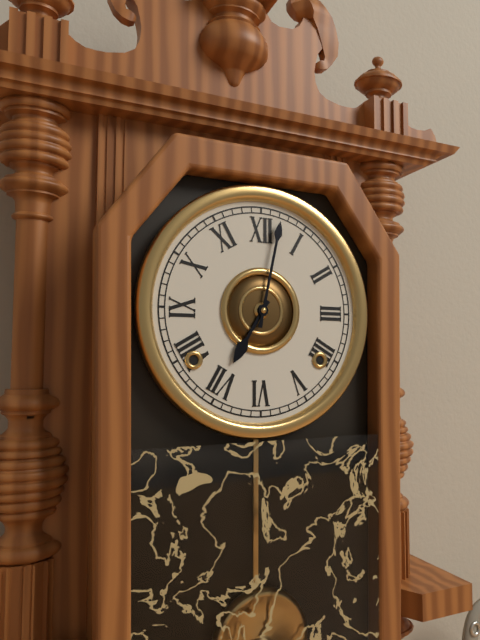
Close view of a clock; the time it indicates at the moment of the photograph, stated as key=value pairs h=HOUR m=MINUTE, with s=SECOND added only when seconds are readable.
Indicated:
h=7 m=2
